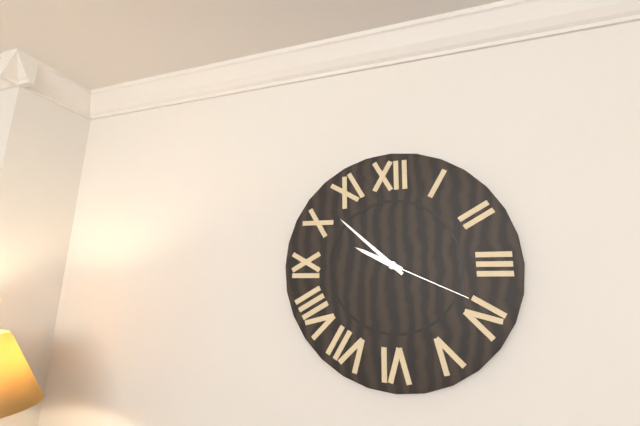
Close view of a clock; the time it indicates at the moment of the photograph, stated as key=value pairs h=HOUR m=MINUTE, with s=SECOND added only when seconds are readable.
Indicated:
h=9 m=52 s=19
